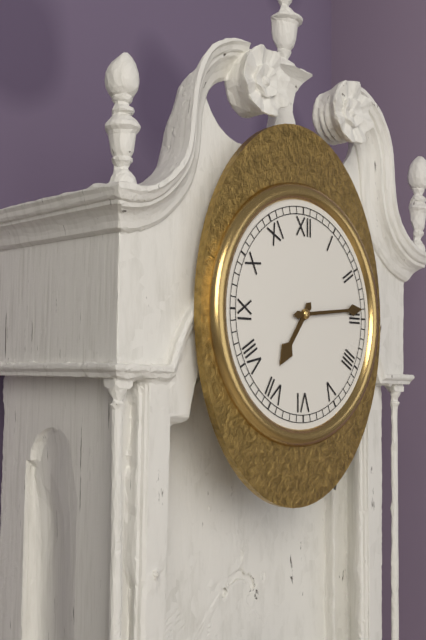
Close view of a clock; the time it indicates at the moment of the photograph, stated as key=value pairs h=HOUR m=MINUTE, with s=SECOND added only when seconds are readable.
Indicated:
h=7 m=14
